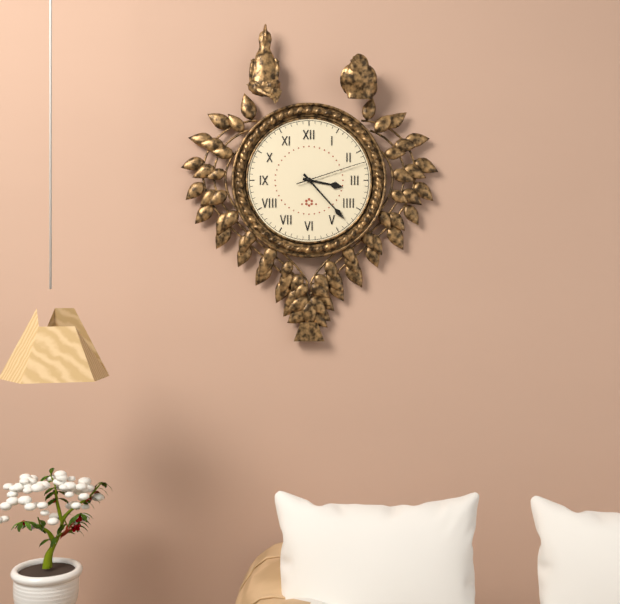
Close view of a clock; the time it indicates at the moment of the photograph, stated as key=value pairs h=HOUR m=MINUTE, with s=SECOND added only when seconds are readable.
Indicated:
h=3 m=23 s=12
